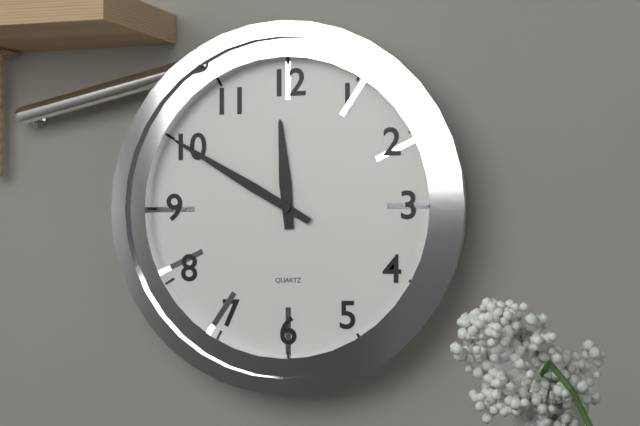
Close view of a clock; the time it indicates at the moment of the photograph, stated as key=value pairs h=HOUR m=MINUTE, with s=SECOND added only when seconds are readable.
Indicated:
h=11 m=50
